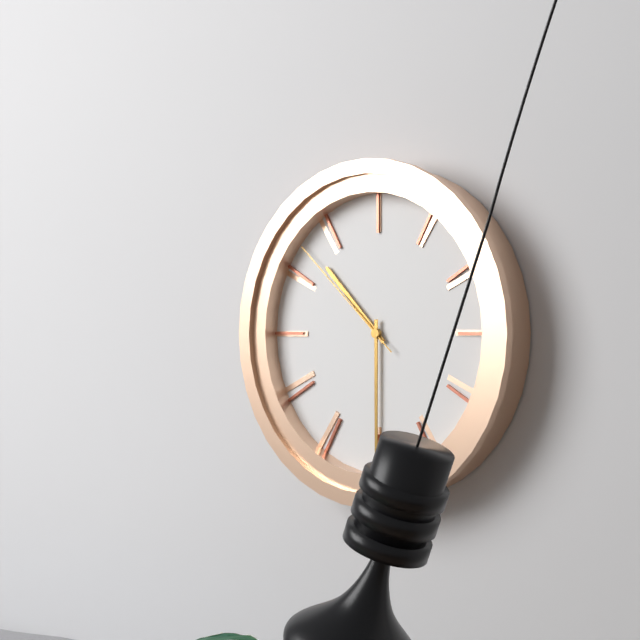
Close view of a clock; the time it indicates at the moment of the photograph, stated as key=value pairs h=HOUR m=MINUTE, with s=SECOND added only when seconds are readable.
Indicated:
h=10 m=30 s=52
